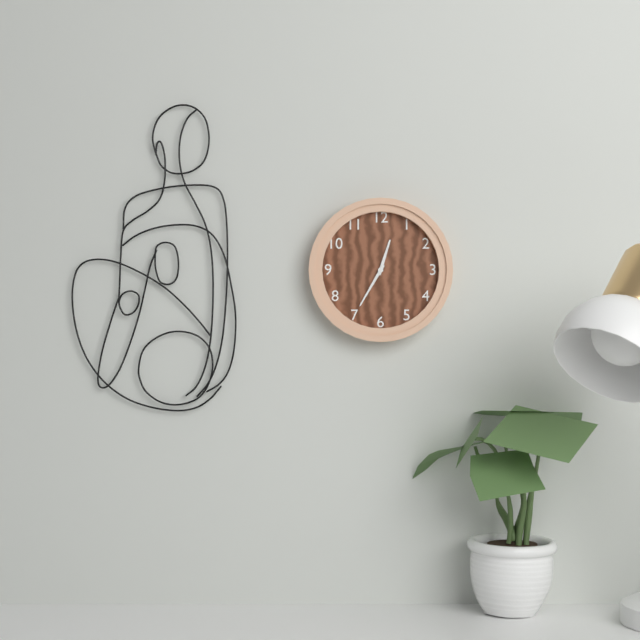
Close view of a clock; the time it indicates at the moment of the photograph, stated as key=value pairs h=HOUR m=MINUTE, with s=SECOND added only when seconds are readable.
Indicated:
h=12 m=35
